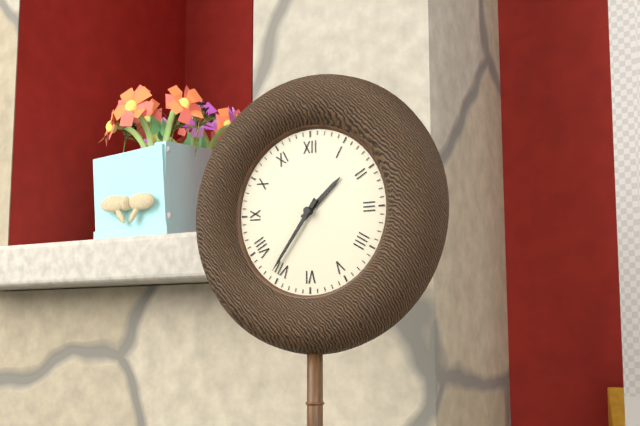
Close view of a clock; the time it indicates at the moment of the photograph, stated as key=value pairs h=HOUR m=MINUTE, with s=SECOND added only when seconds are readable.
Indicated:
h=1 m=36
